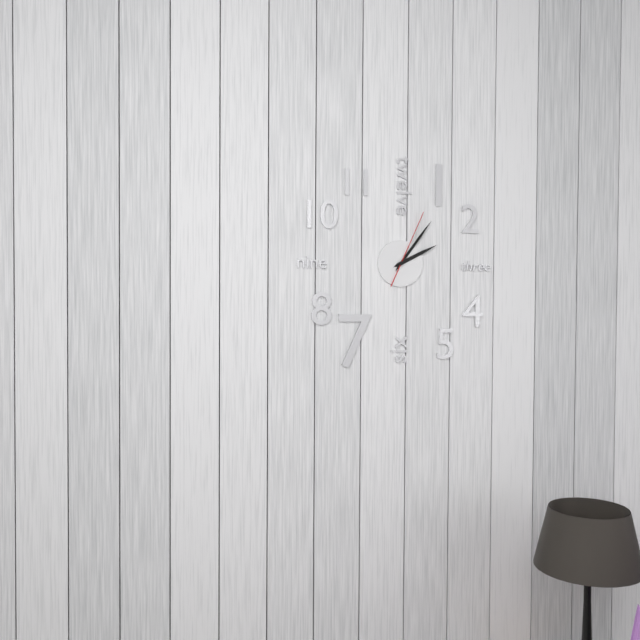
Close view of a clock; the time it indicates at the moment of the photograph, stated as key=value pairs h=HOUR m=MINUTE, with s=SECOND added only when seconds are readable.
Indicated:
h=2 m=6 s=4
